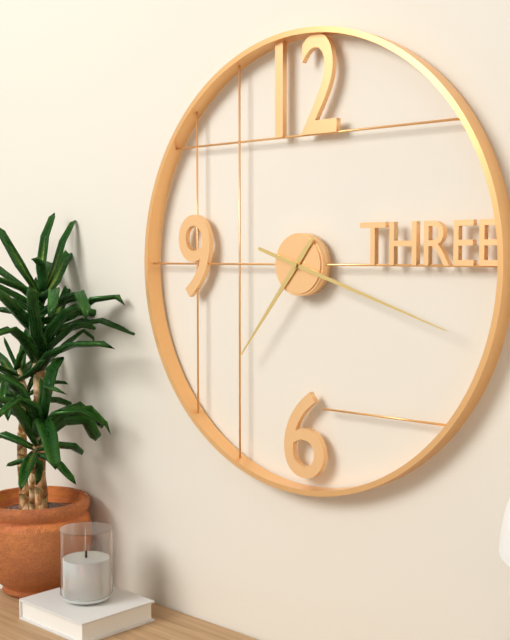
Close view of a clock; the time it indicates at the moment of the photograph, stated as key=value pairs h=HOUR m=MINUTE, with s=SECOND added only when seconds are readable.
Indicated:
h=7 m=18
